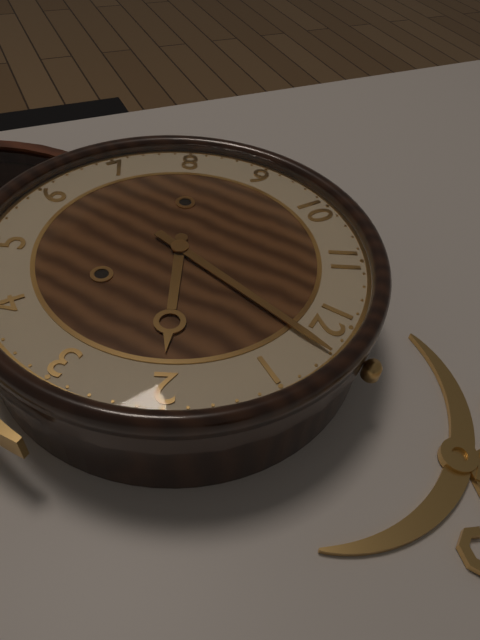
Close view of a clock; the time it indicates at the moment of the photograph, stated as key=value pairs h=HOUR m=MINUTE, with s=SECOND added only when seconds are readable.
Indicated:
h=2 m=2
